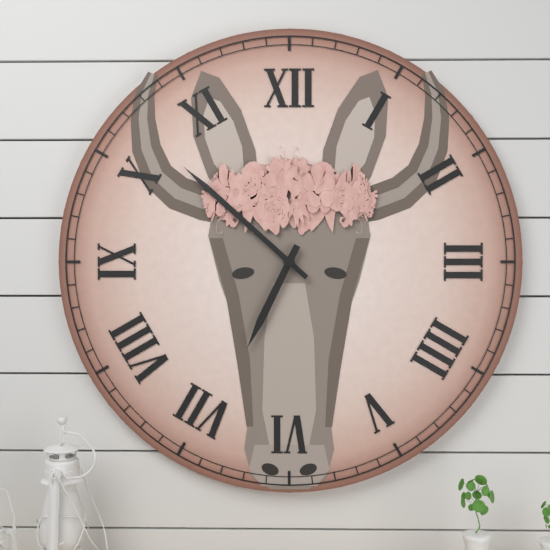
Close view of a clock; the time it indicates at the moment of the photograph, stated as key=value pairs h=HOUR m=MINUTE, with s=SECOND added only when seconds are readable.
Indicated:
h=6 m=52
